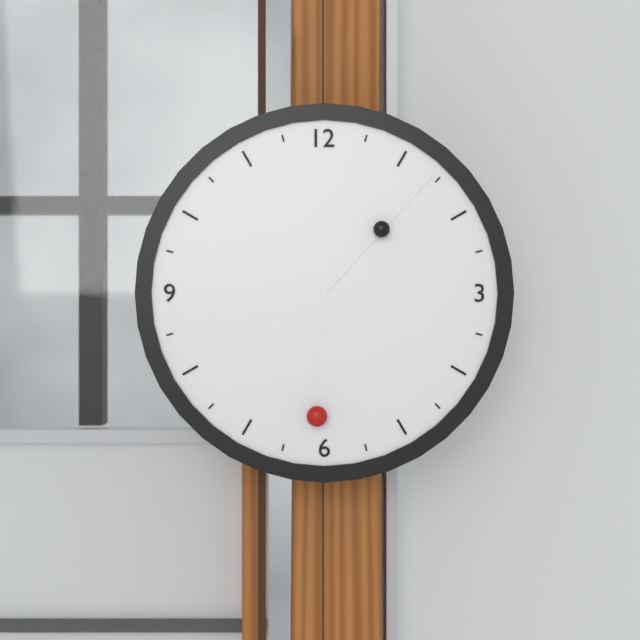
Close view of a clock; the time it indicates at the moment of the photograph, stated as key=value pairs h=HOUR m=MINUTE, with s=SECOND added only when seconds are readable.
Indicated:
h=6 m=7
